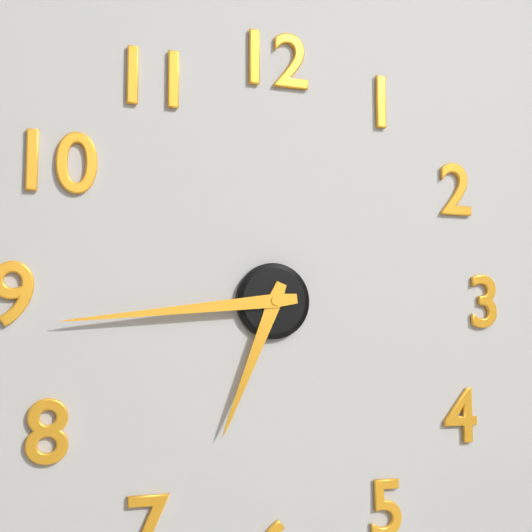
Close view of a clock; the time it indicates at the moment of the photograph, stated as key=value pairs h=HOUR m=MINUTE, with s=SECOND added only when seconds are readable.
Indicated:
h=6 m=44
